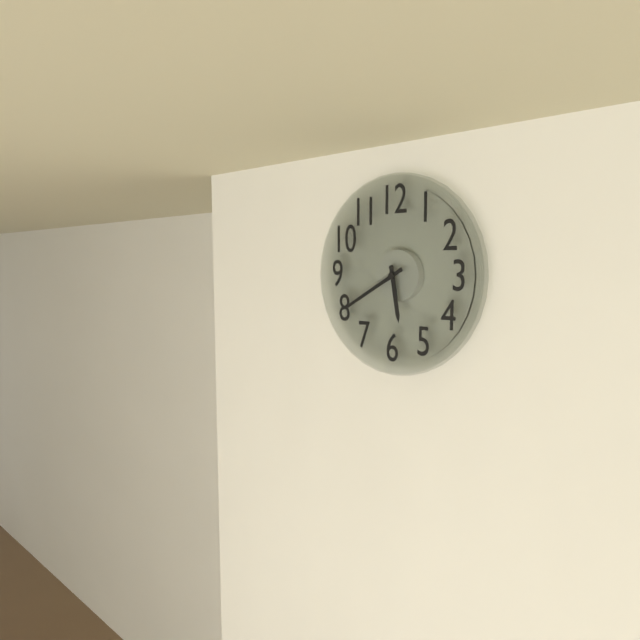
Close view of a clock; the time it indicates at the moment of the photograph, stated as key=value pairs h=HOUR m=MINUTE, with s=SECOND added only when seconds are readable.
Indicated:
h=5 m=40
